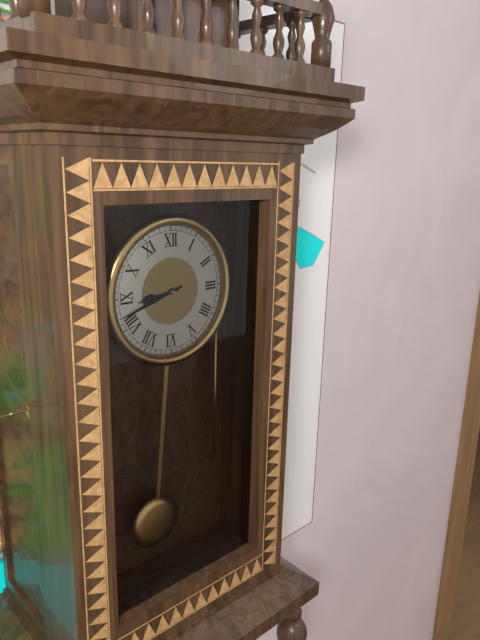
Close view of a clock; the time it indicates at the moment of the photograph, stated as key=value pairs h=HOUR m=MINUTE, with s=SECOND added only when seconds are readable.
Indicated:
h=8 m=42
